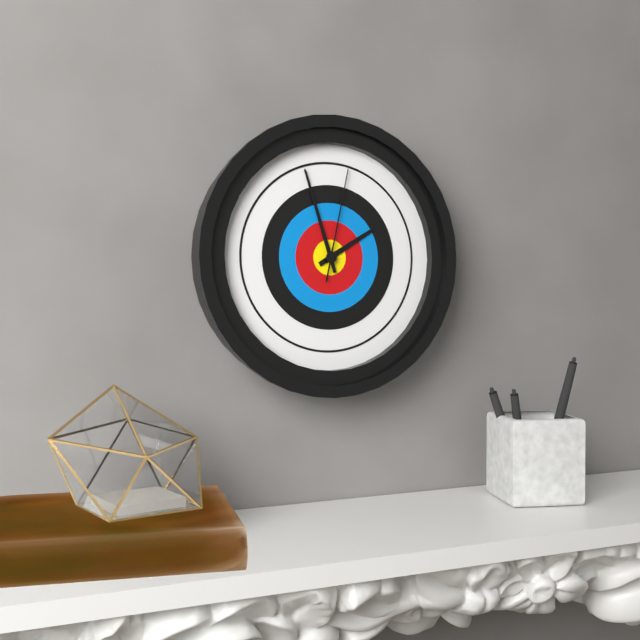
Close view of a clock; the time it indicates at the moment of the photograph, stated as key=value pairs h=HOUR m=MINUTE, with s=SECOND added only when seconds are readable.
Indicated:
h=1 m=57 s=2
